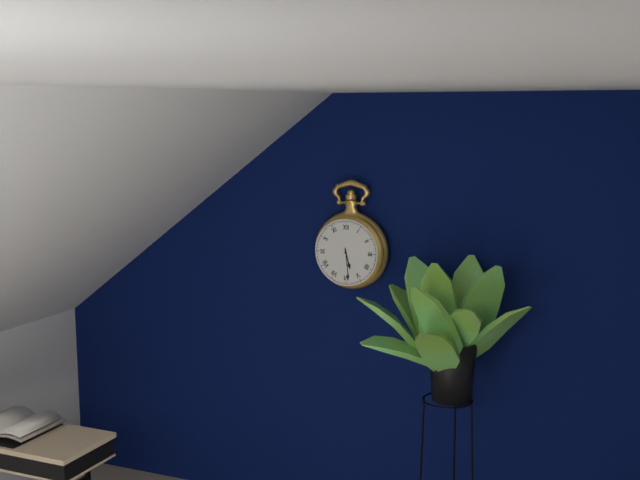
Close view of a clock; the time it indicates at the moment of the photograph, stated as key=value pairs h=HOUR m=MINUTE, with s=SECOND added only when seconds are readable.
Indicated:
h=5 m=29
